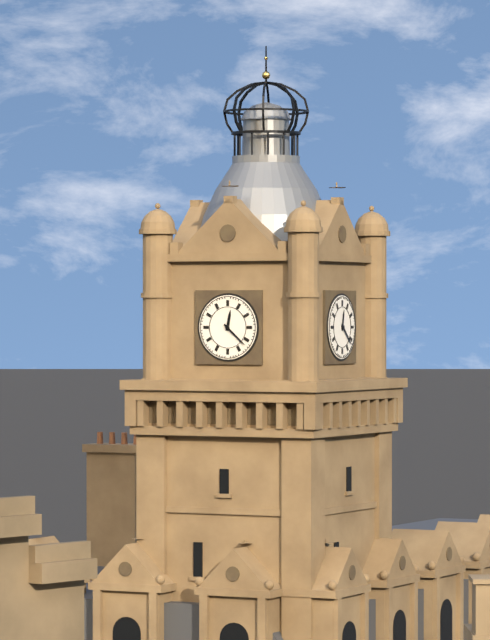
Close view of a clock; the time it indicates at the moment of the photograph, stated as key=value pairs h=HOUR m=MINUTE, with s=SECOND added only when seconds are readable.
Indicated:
h=12 m=22
